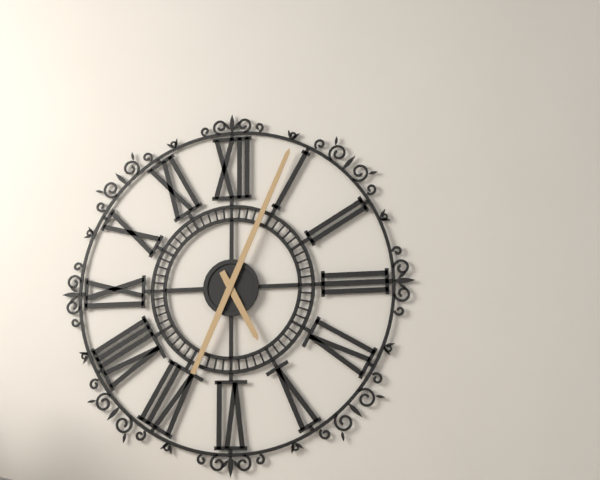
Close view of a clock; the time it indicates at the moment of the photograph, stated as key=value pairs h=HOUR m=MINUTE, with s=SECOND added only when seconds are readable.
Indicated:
h=5 m=4
